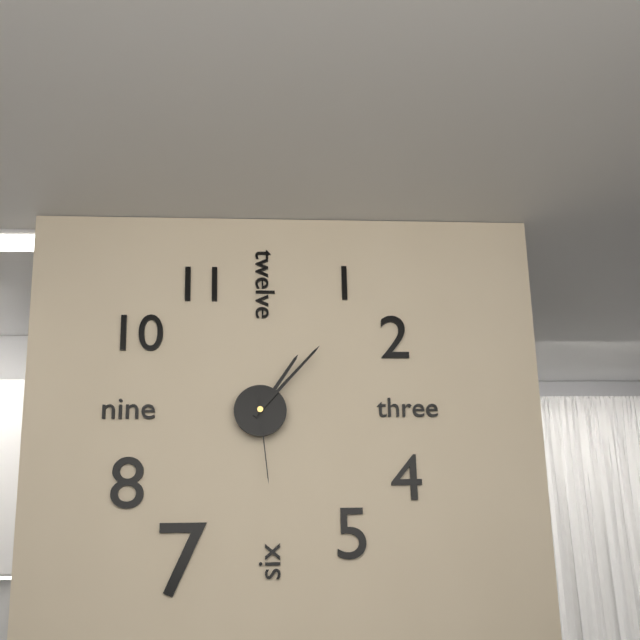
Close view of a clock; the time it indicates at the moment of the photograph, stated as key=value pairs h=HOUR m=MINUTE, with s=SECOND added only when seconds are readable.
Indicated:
h=1 m=7 s=29
